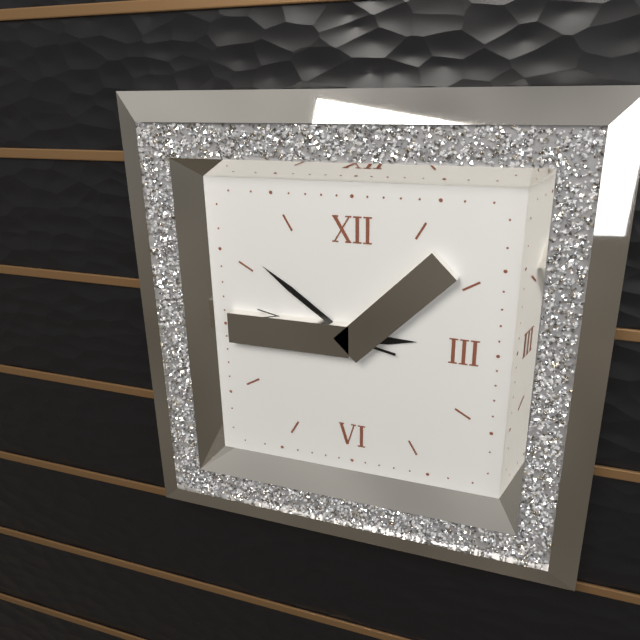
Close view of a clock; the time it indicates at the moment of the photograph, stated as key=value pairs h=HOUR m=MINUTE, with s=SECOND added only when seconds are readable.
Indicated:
h=2 m=51 s=47
